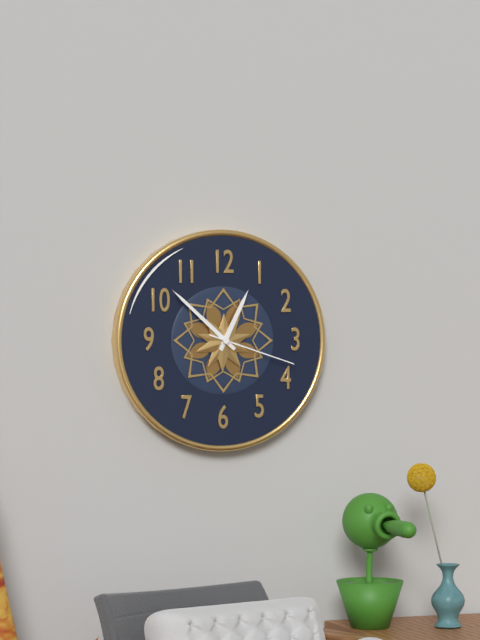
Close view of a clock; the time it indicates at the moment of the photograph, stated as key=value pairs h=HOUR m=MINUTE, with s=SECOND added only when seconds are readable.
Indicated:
h=12 m=52 s=18
